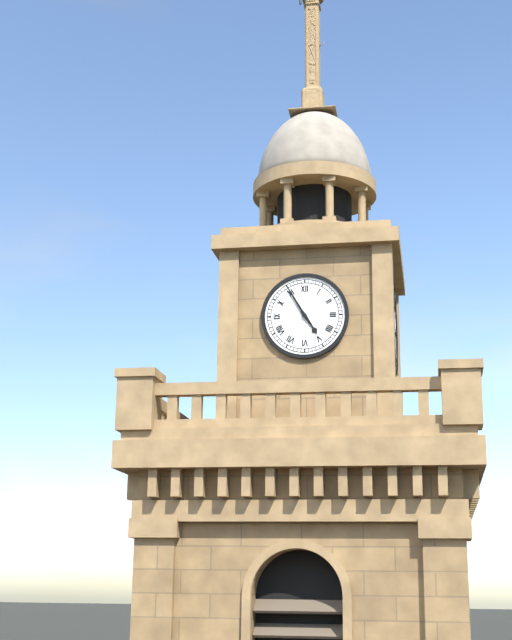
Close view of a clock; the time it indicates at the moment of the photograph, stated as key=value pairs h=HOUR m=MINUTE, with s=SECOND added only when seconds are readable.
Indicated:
h=4 m=55
